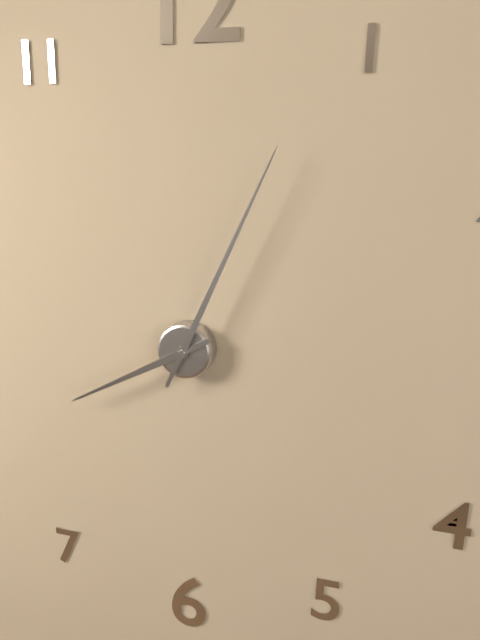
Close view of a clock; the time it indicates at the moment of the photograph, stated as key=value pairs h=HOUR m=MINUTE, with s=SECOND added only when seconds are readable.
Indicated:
h=8 m=4
